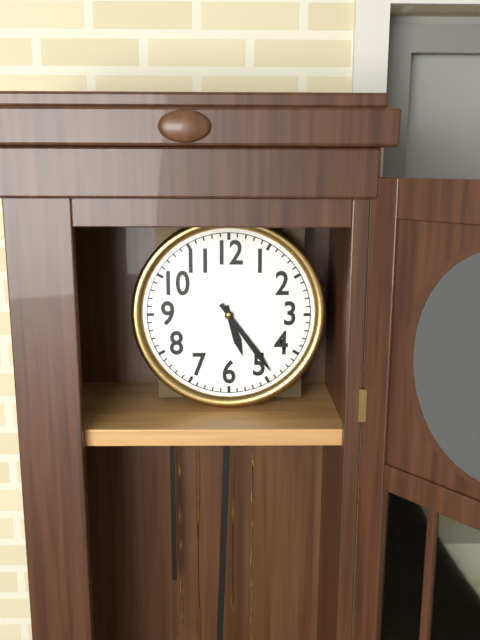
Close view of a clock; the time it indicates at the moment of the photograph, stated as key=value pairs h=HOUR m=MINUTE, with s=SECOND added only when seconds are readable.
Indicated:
h=5 m=24
